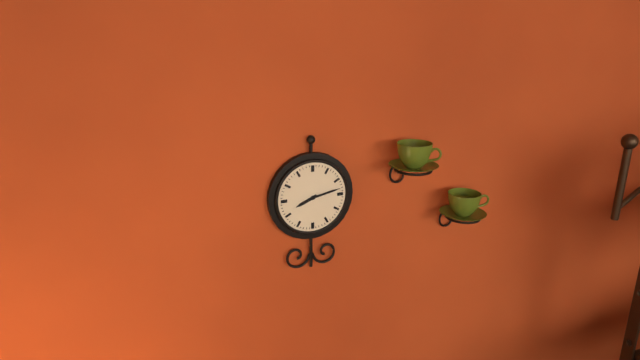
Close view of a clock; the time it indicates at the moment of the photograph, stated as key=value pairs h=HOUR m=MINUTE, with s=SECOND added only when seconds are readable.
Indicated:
h=8 m=13
